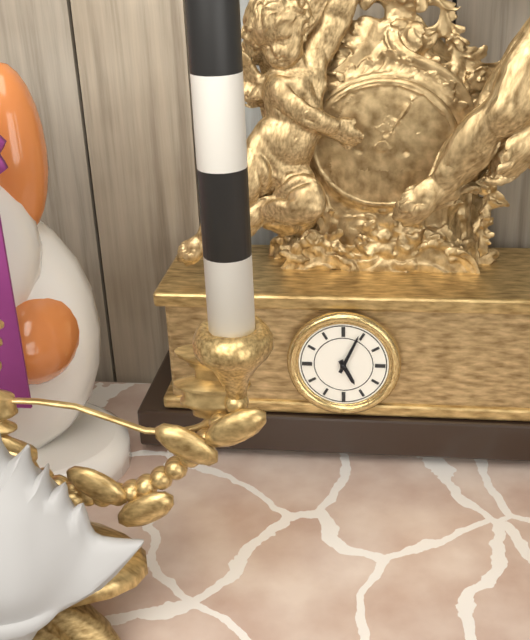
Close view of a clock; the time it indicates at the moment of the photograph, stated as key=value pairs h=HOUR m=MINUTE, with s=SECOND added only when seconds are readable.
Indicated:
h=5 m=4
